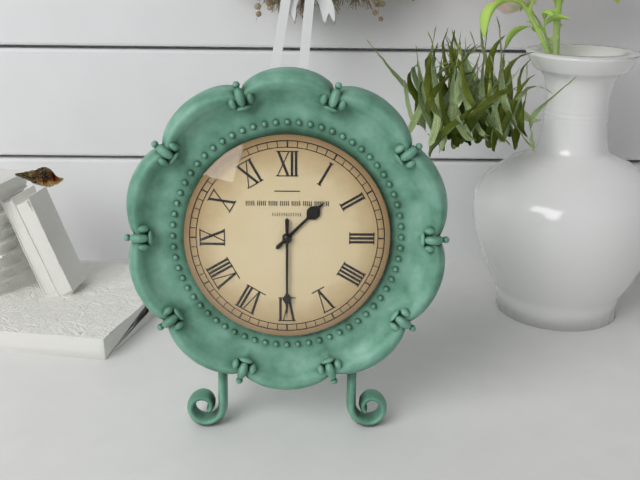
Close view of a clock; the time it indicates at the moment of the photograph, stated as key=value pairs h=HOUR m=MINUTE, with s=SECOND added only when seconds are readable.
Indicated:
h=1 m=30
